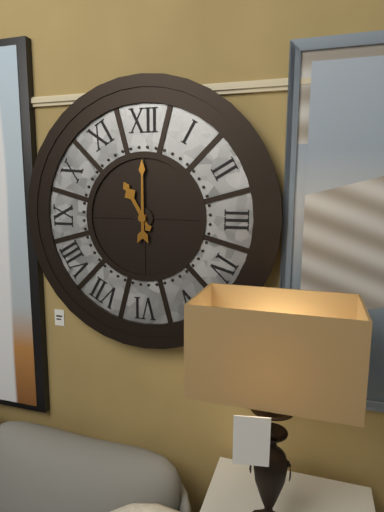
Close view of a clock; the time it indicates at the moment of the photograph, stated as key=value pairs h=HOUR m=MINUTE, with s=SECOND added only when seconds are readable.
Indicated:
h=11 m=0
